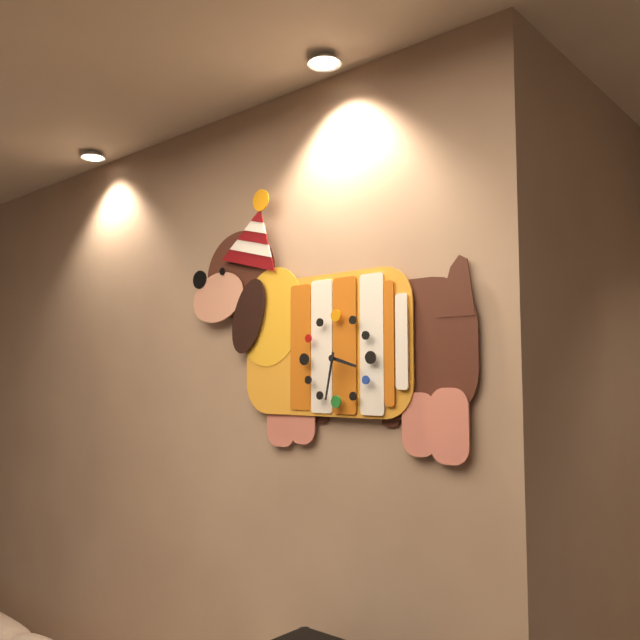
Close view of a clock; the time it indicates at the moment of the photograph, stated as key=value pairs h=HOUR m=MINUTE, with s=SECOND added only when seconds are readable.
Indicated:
h=3 m=32
